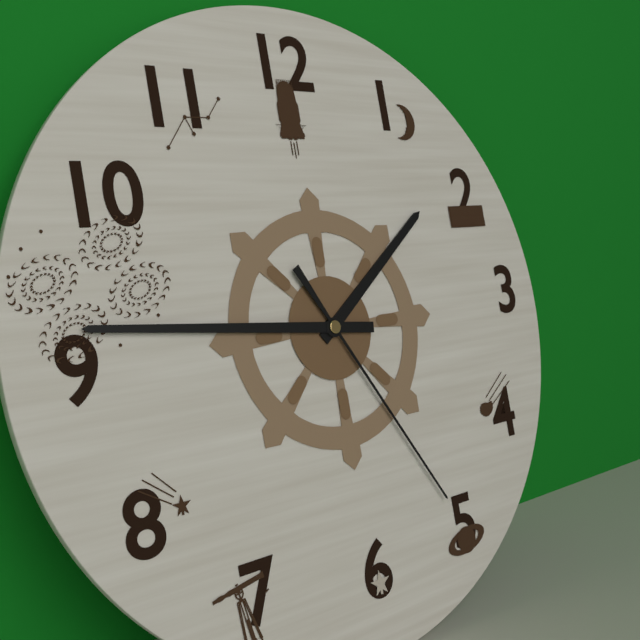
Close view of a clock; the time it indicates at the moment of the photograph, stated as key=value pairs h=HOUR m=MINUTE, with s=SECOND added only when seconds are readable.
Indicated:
h=1 m=46 s=25
